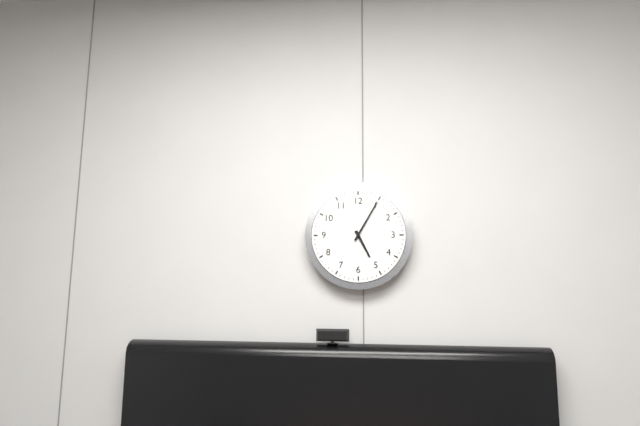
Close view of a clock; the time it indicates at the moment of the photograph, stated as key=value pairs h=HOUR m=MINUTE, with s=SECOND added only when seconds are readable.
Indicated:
h=5 m=5
